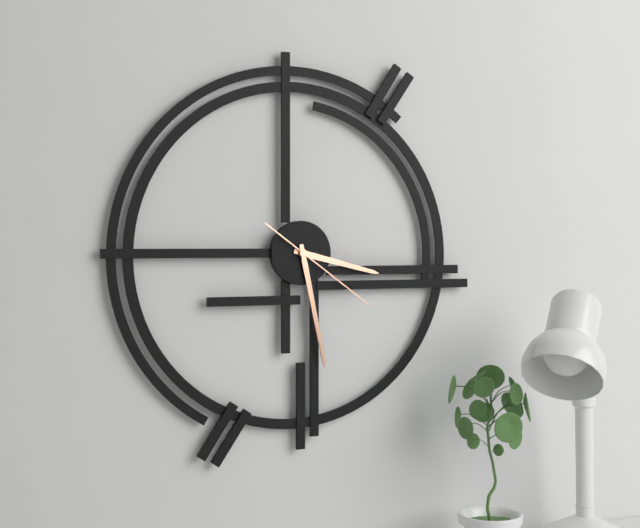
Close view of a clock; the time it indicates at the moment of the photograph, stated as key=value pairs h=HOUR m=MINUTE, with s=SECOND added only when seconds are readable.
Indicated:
h=3 m=28 s=21
